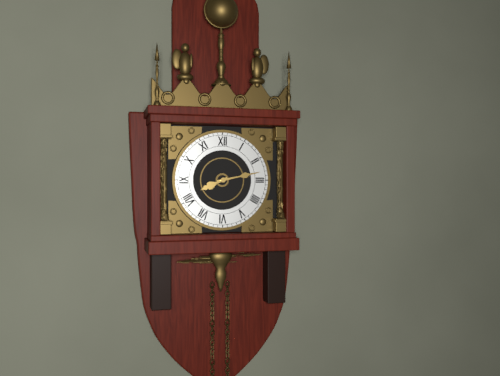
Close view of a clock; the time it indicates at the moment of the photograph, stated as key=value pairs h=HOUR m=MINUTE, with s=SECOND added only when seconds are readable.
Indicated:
h=8 m=13
